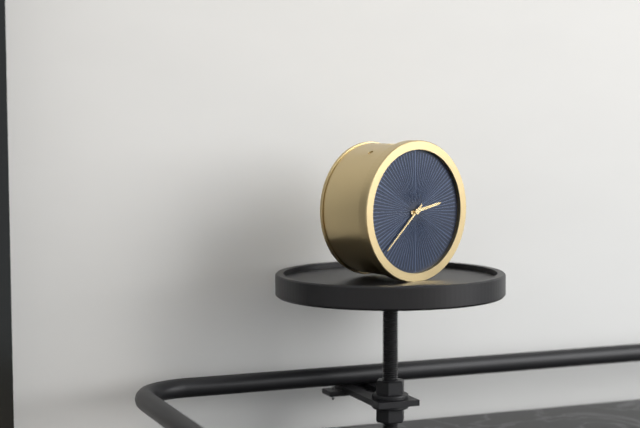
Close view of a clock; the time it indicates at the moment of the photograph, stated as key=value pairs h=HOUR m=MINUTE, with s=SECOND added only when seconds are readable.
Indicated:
h=2 m=38
